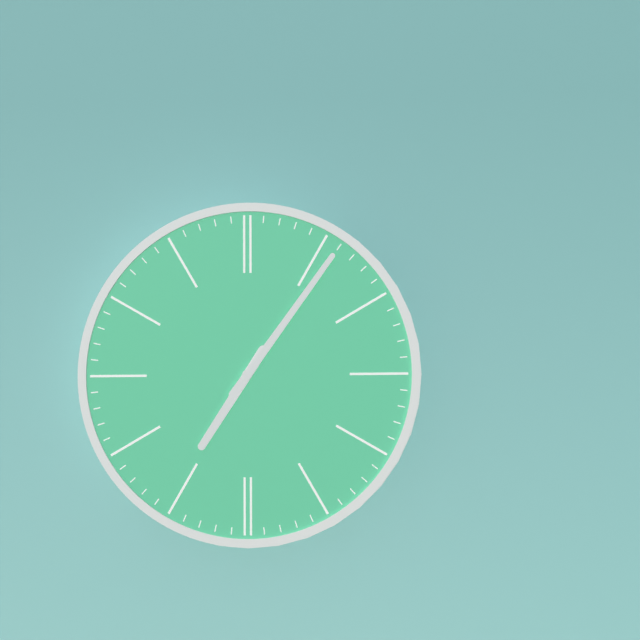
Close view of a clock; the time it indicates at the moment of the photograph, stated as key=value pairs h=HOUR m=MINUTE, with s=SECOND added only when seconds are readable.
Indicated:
h=7 m=6
